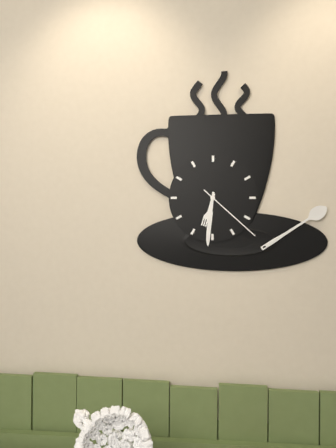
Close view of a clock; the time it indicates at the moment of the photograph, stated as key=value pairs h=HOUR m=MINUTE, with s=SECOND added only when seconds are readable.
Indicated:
h=6 m=31 s=22
